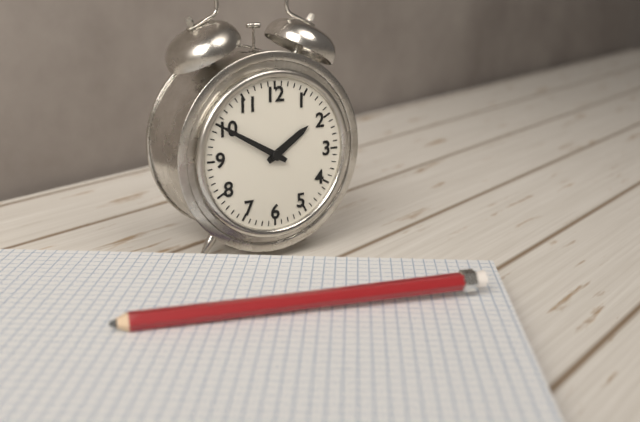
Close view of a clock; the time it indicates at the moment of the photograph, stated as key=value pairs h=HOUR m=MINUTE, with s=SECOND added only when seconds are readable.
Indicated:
h=1 m=50
